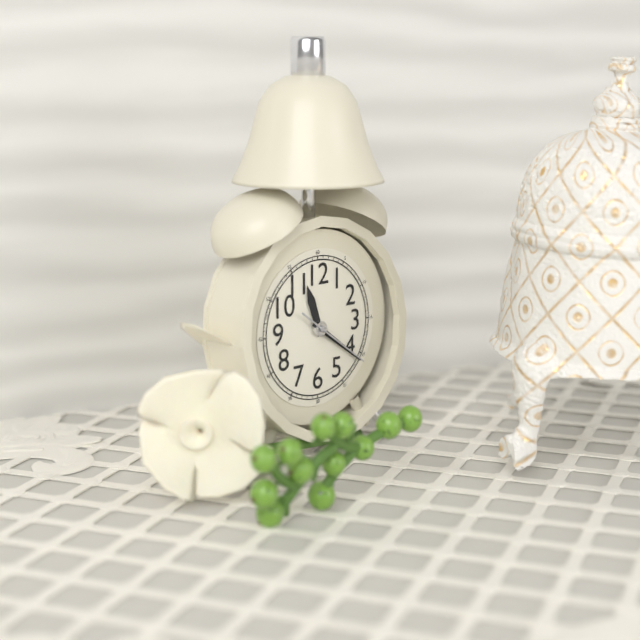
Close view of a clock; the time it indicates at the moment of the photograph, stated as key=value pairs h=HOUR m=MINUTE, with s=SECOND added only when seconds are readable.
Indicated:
h=11 m=21 s=21
